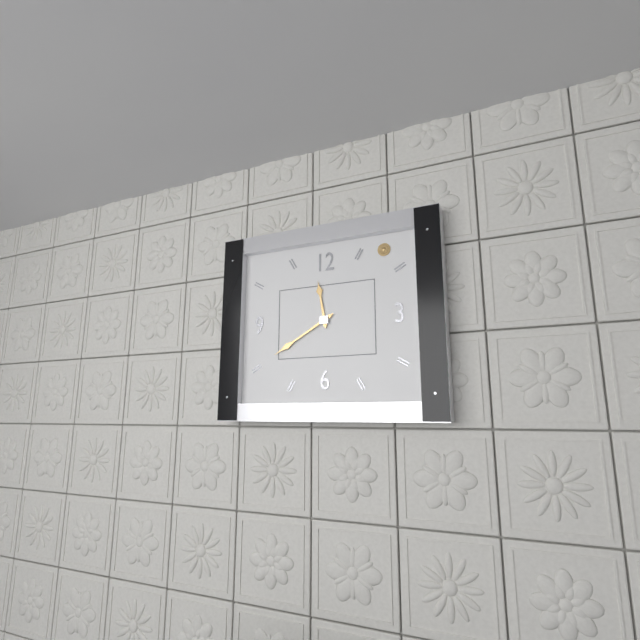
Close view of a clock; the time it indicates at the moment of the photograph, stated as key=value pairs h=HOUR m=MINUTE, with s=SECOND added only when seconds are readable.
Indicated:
h=11 m=40
